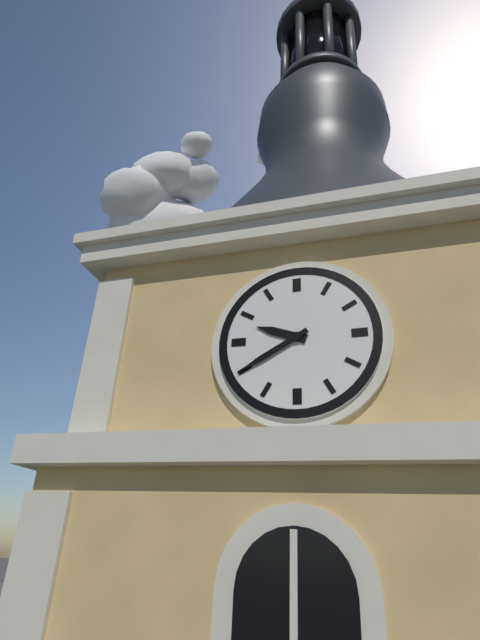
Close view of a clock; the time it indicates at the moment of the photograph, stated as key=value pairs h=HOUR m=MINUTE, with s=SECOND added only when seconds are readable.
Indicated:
h=9 m=40
